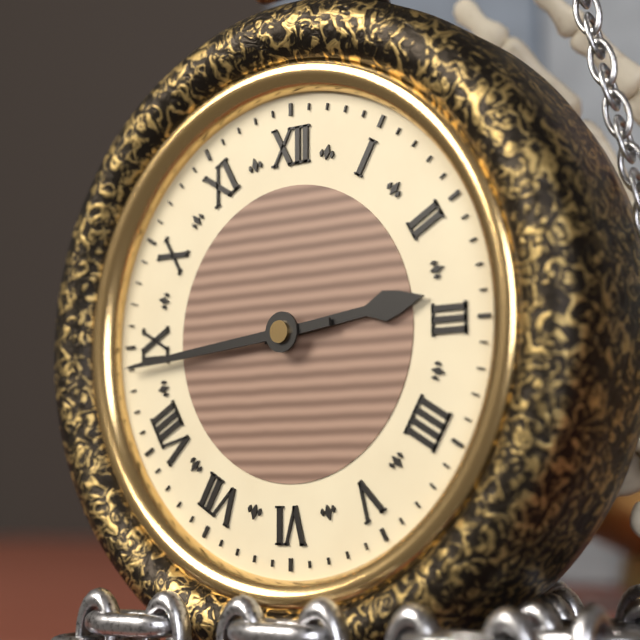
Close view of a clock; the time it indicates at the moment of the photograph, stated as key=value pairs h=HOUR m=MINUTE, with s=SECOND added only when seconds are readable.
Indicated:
h=2 m=44
